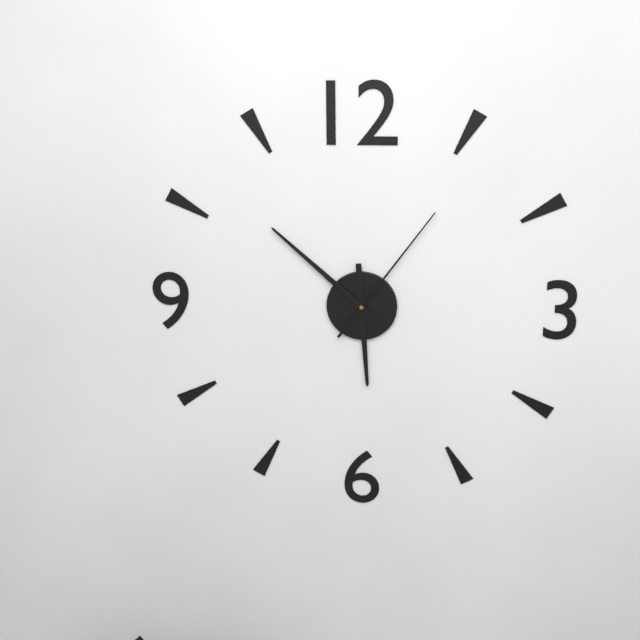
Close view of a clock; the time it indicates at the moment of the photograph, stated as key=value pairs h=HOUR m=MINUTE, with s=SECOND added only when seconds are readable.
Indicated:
h=5 m=52 s=6
